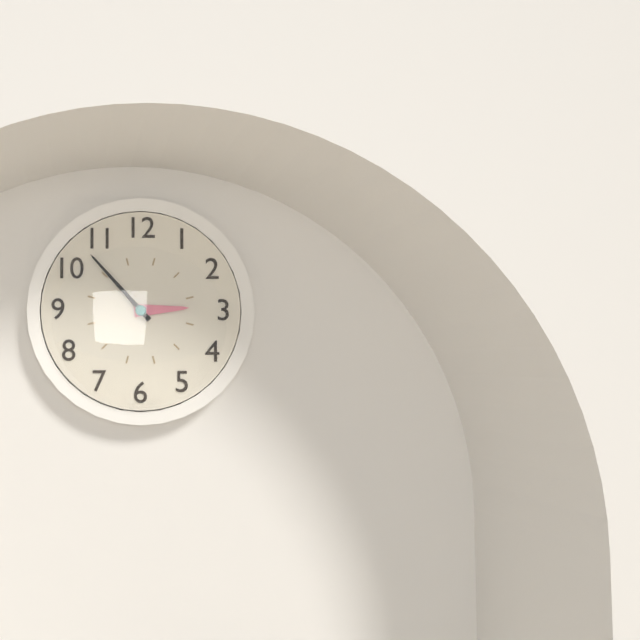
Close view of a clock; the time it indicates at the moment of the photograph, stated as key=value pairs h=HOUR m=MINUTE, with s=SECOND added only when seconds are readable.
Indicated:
h=2 m=53
